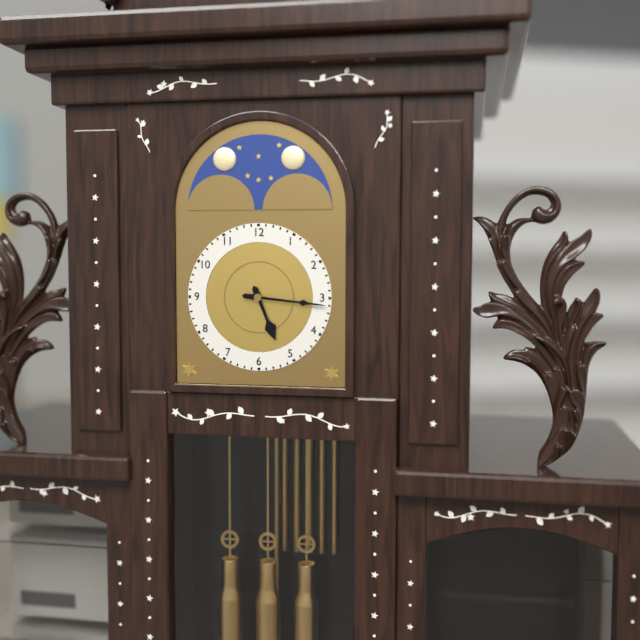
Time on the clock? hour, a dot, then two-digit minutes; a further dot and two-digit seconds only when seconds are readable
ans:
5.16
